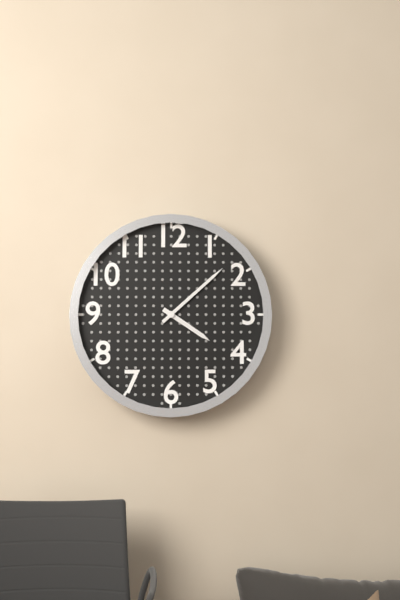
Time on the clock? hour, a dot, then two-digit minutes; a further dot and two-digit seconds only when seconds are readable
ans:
4.08
